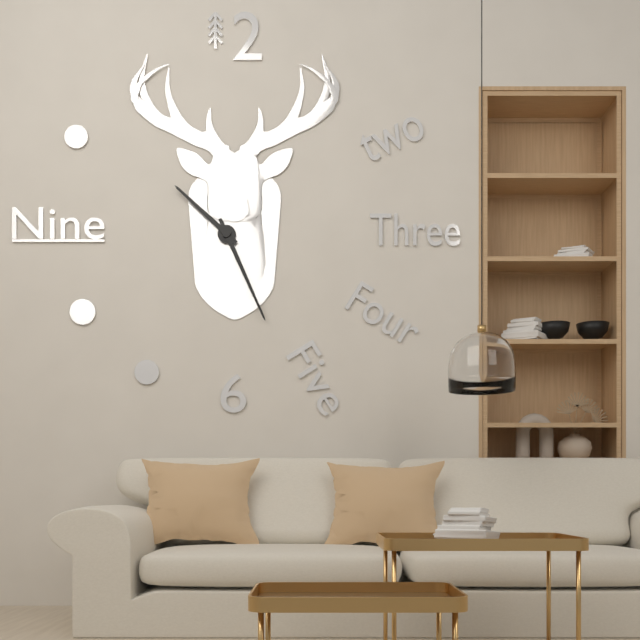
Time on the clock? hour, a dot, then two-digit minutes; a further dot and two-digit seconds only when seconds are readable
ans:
10.26
